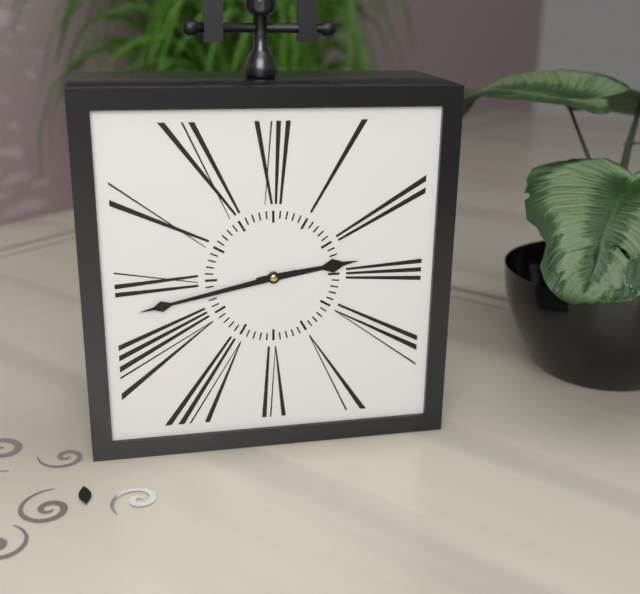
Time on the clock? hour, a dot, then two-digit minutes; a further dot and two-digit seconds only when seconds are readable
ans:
2.43
